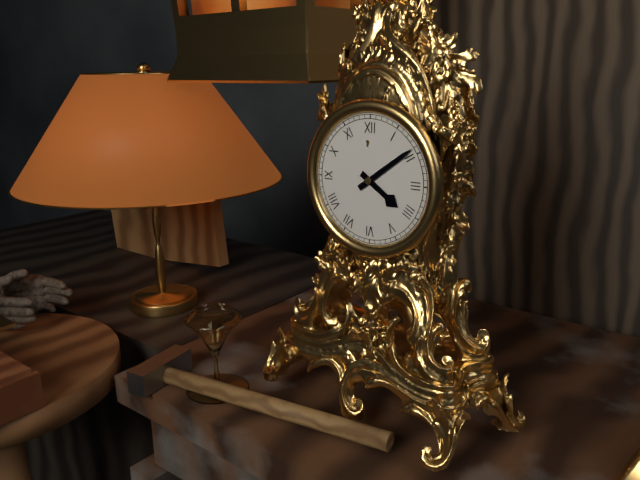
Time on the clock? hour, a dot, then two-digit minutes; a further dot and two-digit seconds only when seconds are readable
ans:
4.09
